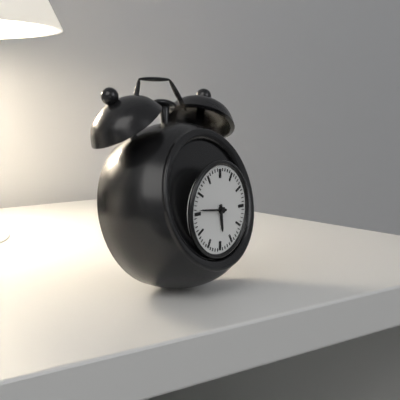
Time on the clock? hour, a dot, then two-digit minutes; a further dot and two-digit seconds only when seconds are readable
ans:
5.46
